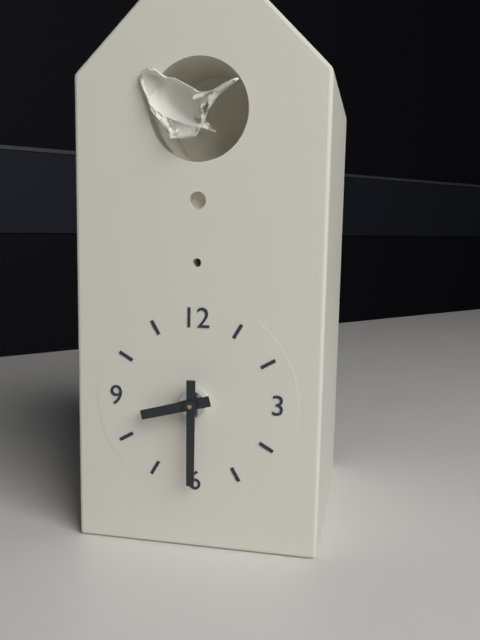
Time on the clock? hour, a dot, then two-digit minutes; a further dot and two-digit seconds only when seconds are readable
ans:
8.30
